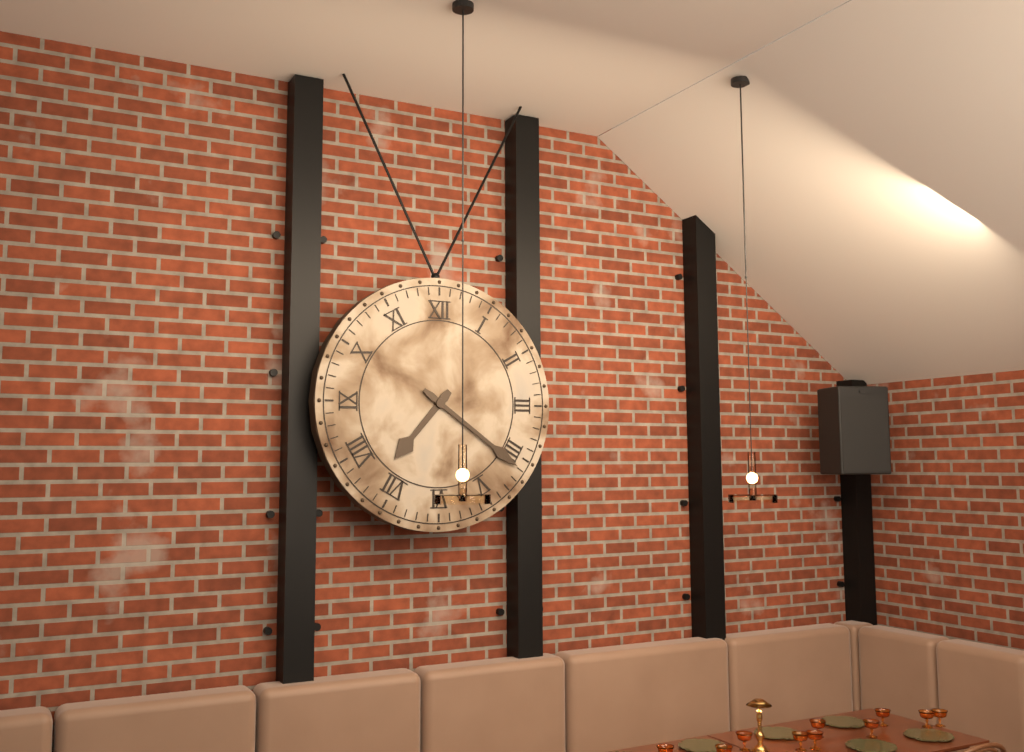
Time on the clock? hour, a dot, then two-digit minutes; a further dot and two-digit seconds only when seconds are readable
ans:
7.21
